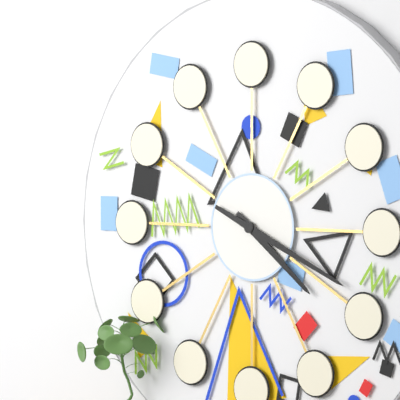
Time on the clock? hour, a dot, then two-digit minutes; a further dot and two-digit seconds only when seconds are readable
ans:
4.19
